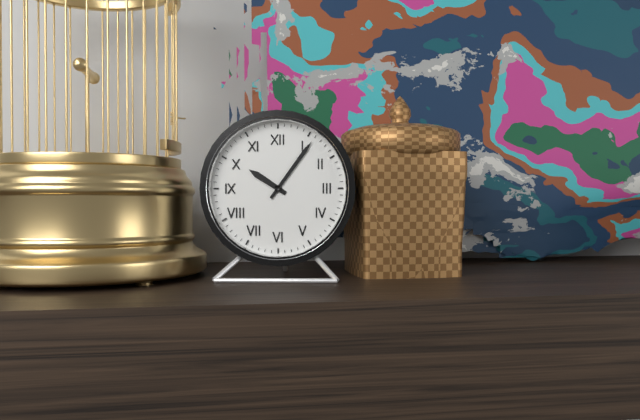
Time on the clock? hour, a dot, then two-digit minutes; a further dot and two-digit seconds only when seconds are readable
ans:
10.06
